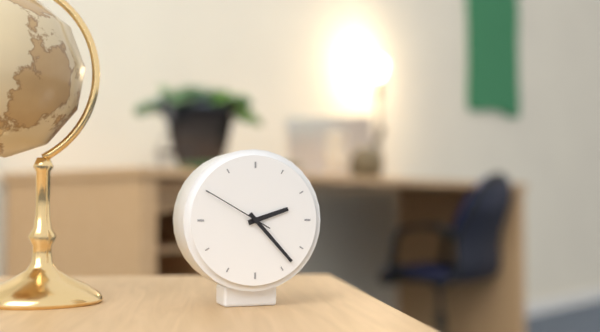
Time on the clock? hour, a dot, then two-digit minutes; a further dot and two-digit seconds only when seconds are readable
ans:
2.23.50
